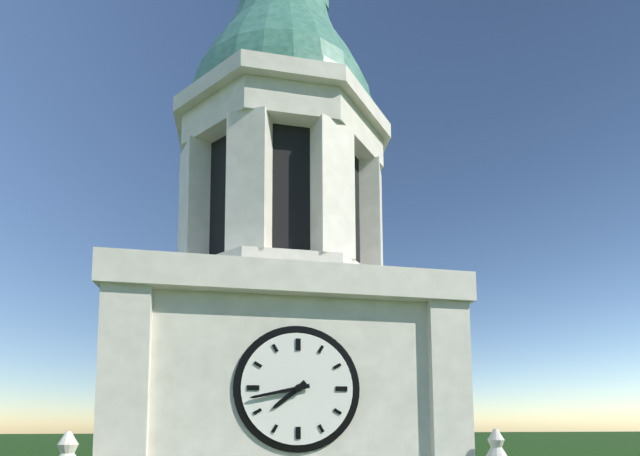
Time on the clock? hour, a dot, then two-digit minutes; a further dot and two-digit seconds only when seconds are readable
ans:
7.43
